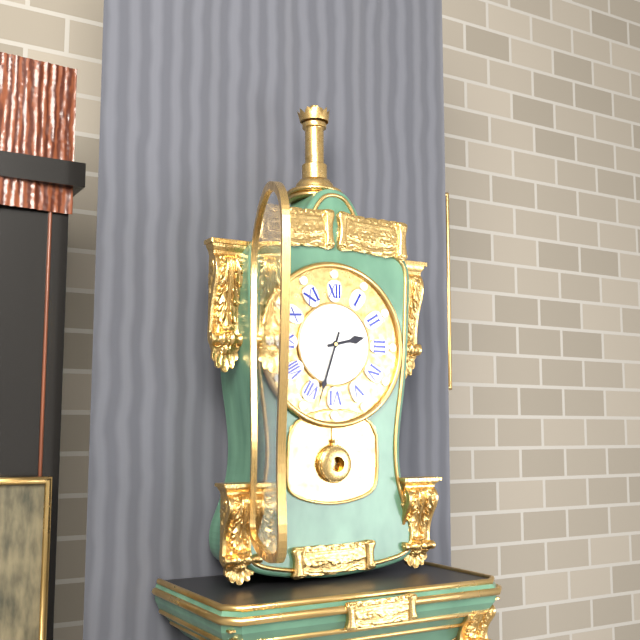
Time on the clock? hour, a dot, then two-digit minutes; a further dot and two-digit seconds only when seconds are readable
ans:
2.33
